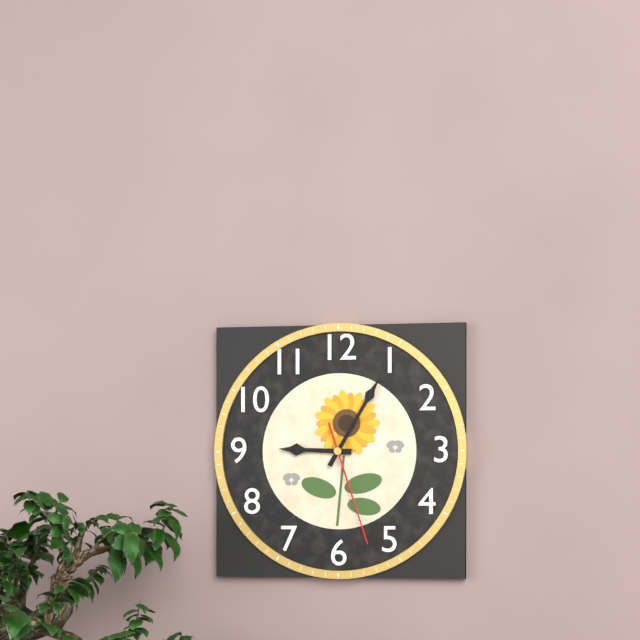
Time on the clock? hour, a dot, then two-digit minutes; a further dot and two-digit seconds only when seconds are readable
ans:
9.05.27
